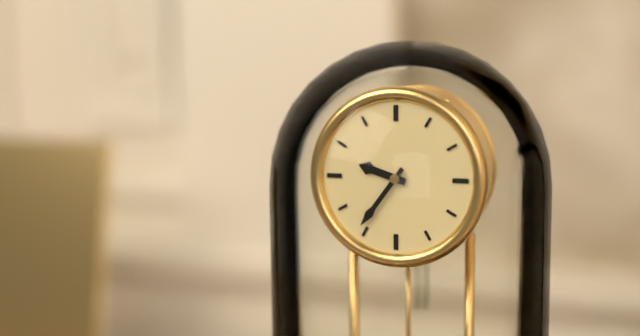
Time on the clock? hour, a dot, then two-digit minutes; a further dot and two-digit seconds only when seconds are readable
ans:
9.36
